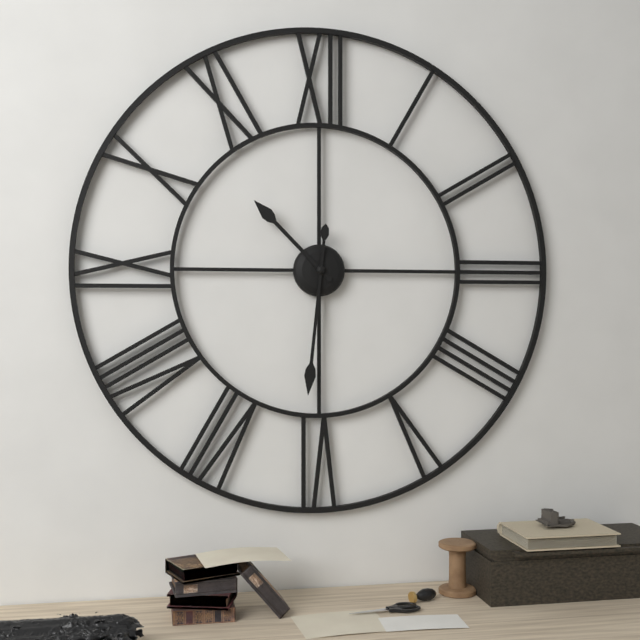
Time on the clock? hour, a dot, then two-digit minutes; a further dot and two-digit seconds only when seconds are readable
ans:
10.31
